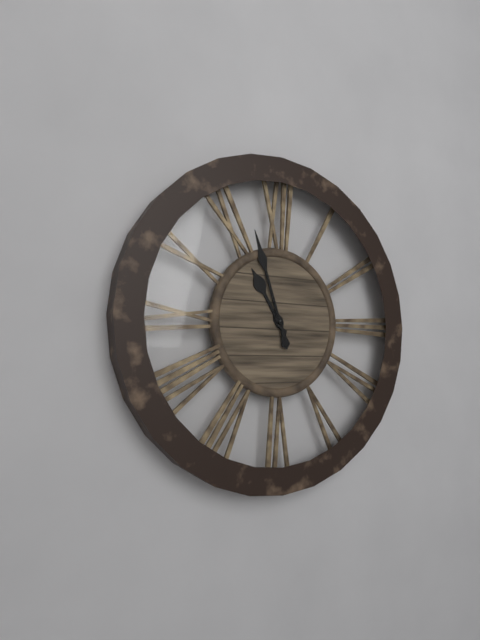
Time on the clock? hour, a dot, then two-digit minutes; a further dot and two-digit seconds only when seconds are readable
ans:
10.57
